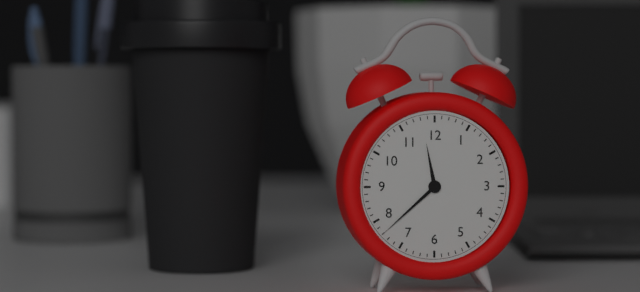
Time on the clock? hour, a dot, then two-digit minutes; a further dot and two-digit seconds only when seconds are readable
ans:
11.38
